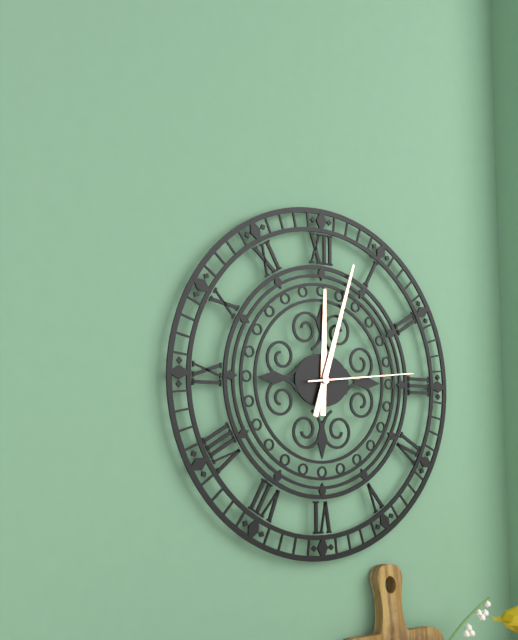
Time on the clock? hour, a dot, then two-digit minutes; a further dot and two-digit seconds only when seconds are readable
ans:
12.03.14
